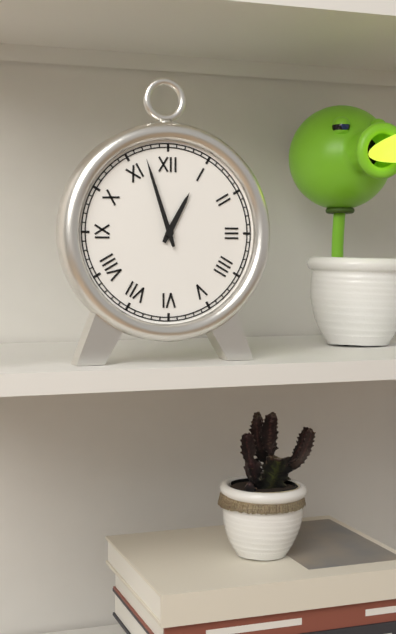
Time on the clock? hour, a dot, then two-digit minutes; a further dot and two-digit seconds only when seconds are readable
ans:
12.57
